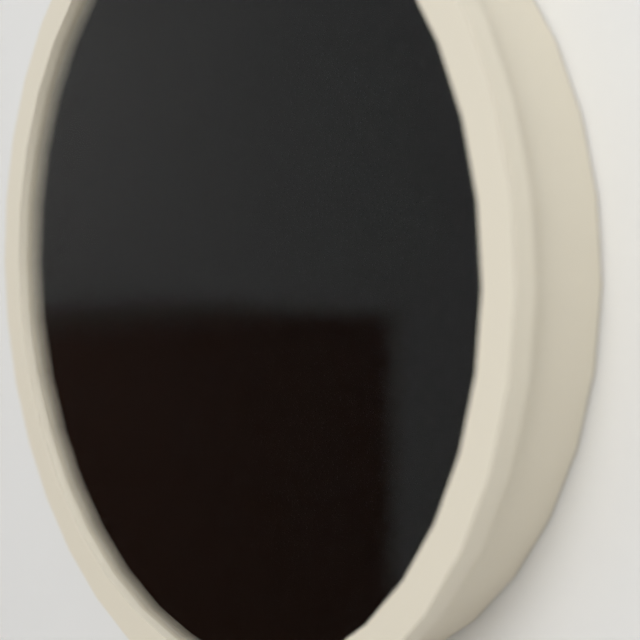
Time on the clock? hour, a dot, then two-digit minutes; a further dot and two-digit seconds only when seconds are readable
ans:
3.35.28
